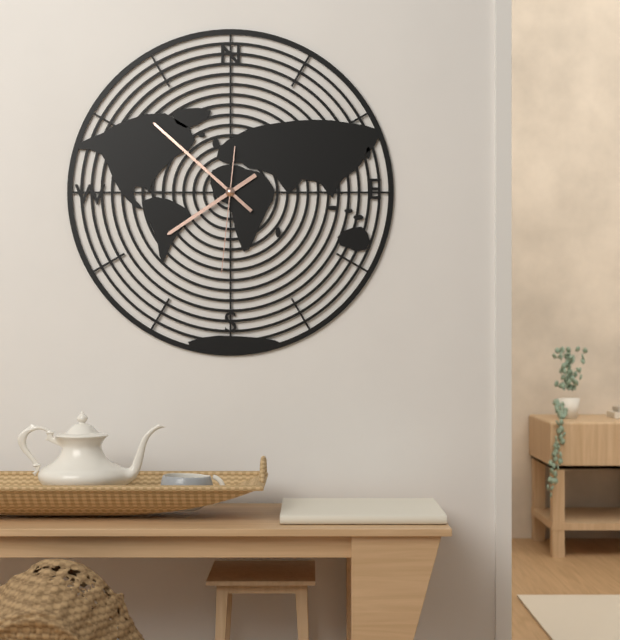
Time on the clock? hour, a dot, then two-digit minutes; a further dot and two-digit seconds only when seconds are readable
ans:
7.52.31
